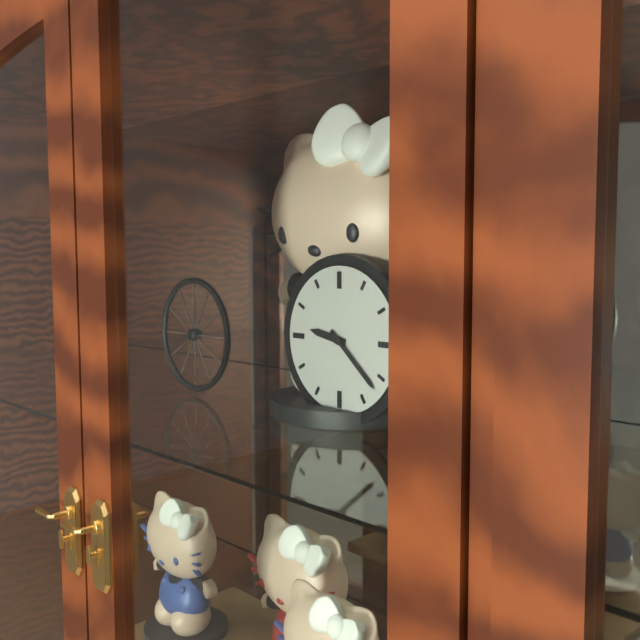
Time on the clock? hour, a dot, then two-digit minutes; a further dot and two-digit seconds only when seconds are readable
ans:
9.22
